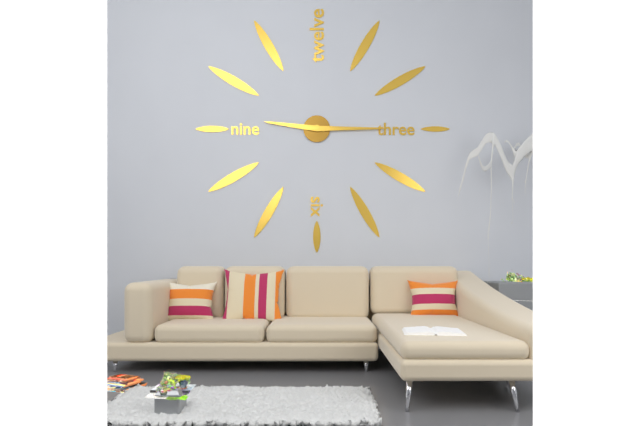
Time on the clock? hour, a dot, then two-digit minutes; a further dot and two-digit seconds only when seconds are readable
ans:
9.15
